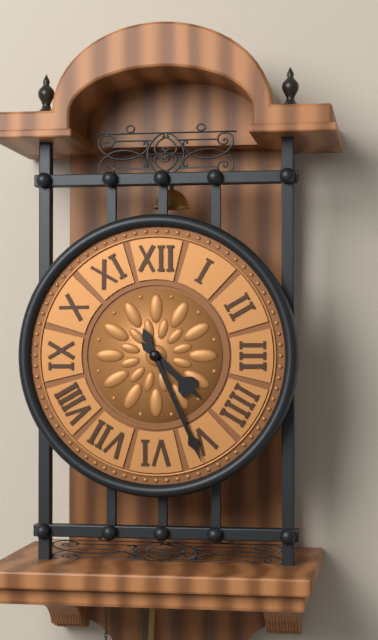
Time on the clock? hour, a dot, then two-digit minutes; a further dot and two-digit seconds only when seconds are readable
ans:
4.26
